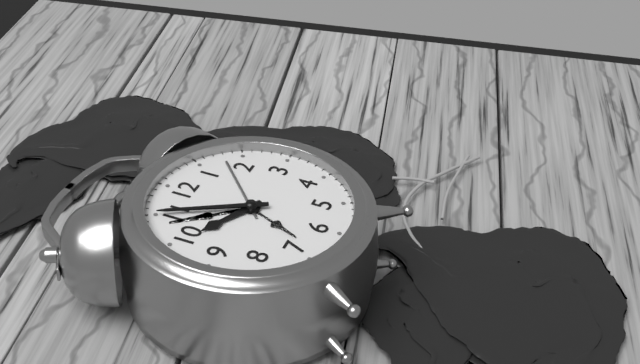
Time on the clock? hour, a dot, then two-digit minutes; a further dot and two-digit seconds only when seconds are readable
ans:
9.55
